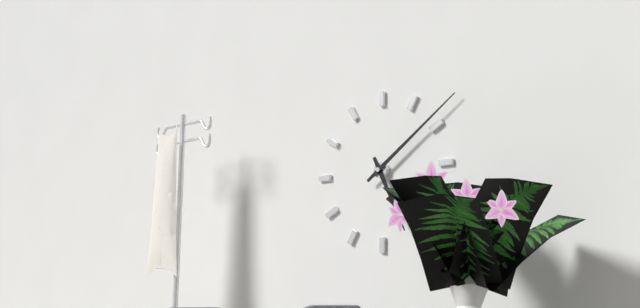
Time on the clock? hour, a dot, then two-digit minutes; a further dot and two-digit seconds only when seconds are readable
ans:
5.09
